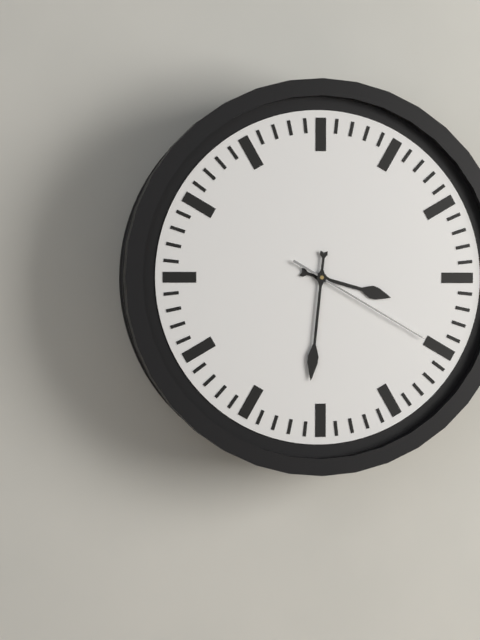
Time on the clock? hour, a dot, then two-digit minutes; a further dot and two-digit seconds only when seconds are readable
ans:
3.31.20
